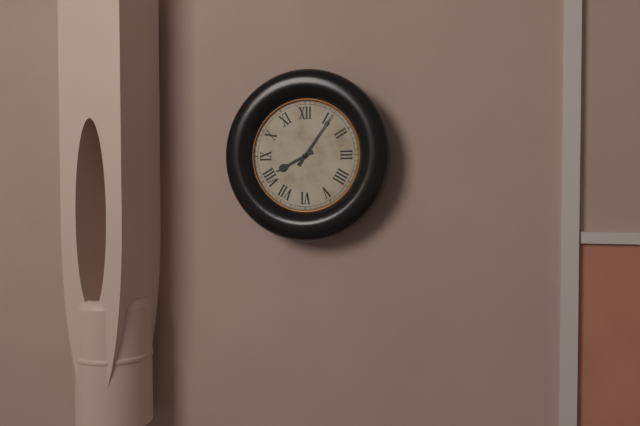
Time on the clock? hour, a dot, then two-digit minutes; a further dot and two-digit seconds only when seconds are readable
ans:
8.06
